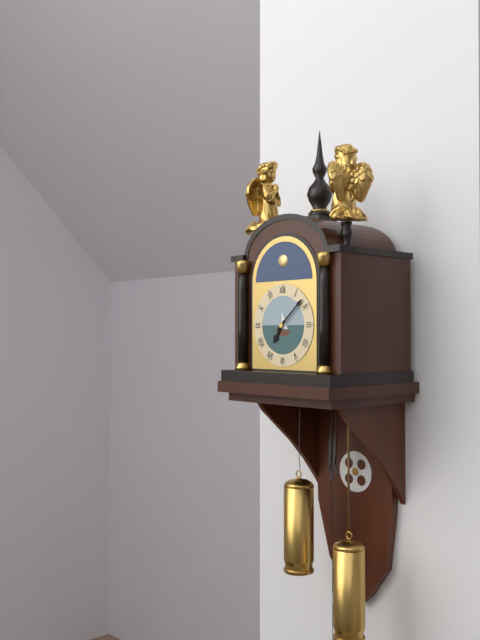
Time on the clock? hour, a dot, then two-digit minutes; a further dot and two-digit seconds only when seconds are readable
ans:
7.08
